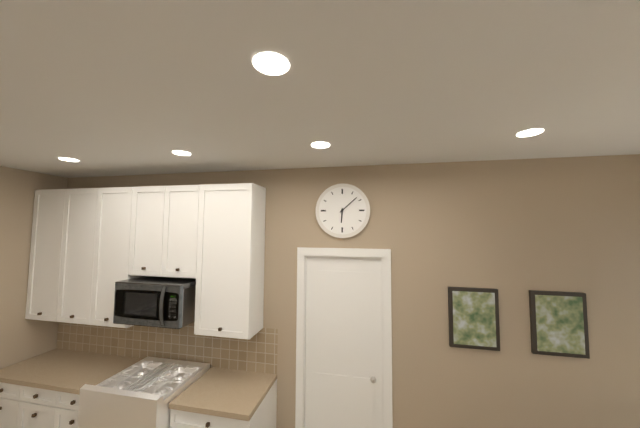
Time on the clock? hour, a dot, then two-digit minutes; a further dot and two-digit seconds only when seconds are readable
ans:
6.08
